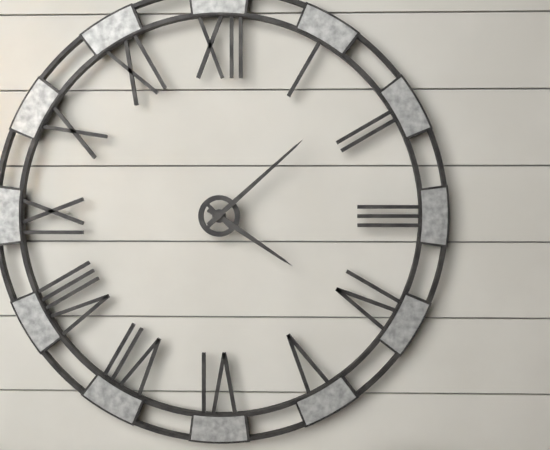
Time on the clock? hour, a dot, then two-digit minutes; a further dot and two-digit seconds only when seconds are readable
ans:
4.08
